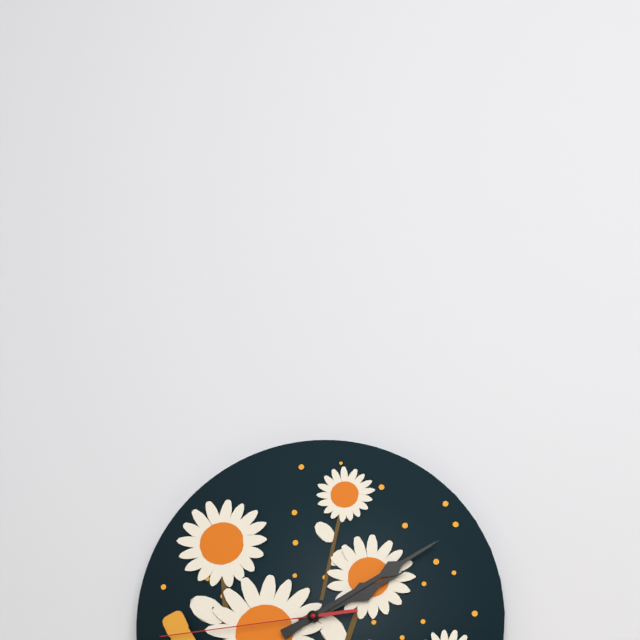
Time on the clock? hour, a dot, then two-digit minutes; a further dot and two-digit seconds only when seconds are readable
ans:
2.10.44
